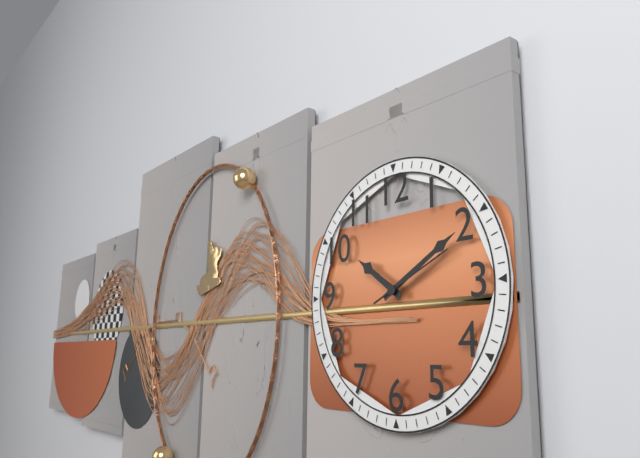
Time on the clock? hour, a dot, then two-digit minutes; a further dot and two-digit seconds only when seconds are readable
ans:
10.10.11
